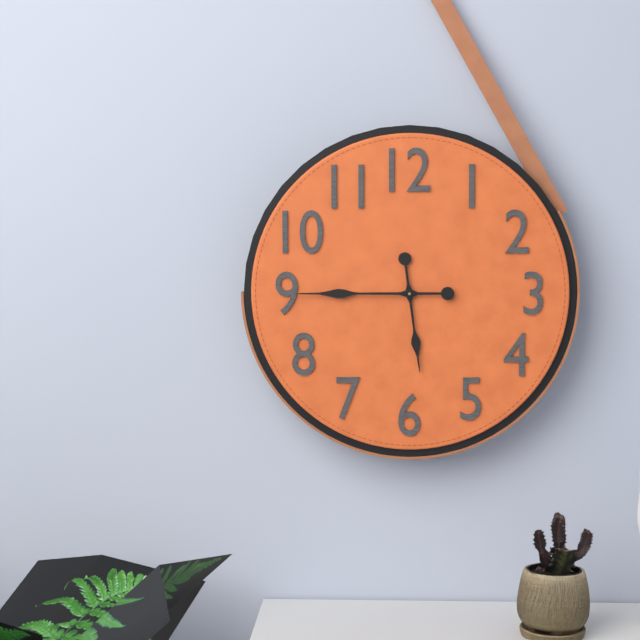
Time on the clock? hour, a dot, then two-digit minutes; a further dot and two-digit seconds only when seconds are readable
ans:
5.45
